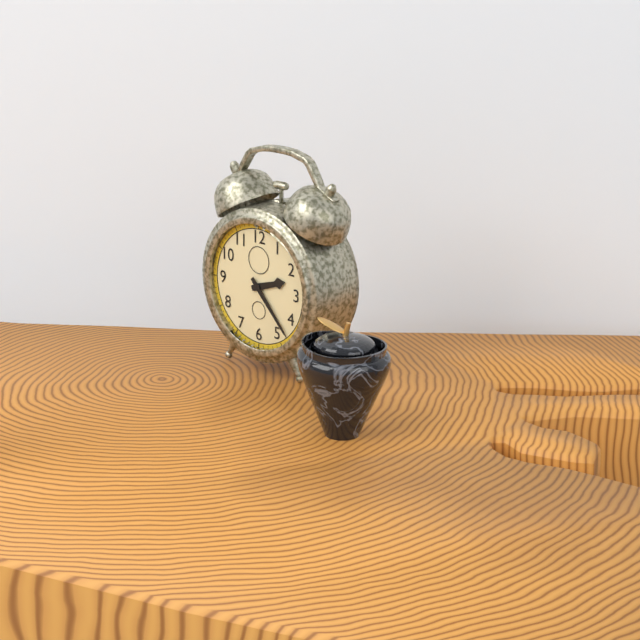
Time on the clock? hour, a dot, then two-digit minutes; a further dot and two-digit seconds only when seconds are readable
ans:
2.23
